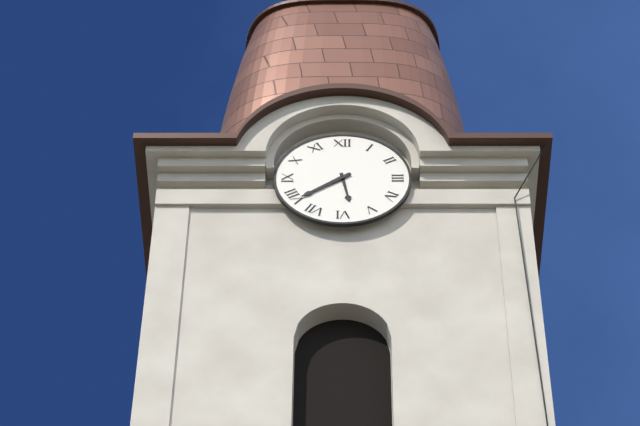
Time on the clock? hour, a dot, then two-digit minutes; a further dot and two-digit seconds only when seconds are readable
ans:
5.39
